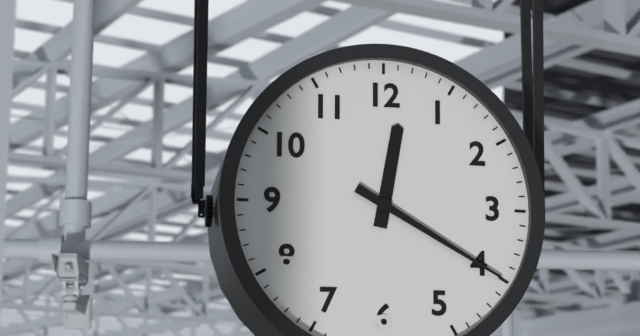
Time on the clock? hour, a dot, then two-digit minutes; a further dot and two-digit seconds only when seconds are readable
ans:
12.20
